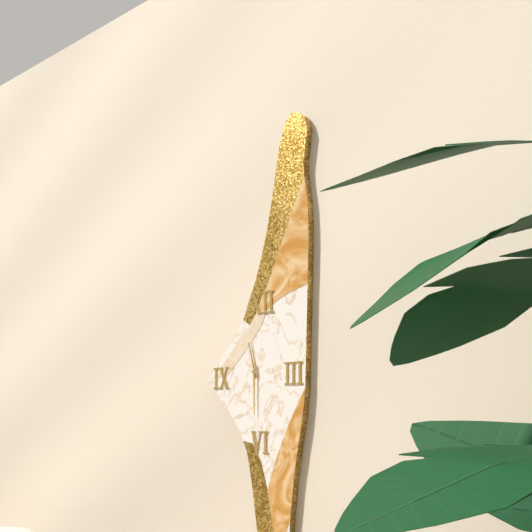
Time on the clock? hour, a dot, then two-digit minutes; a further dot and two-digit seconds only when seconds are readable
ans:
11.30
